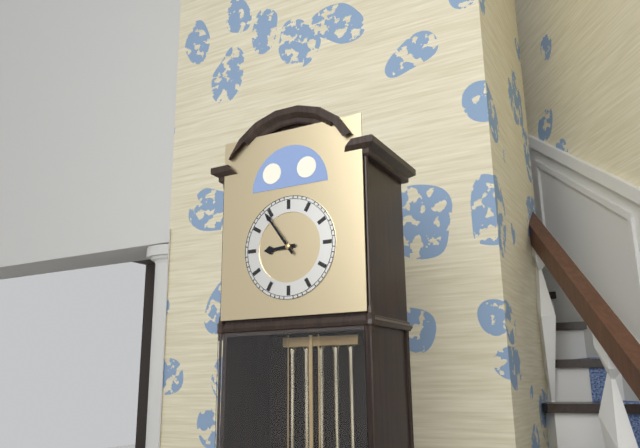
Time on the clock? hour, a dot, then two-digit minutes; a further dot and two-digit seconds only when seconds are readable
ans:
8.54
